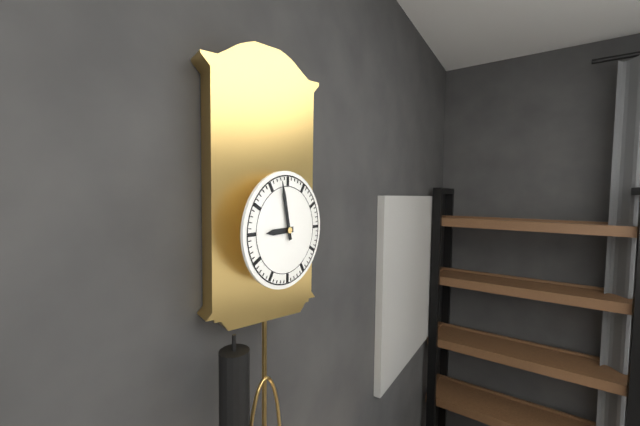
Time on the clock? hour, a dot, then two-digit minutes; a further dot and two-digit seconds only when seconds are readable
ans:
8.58
